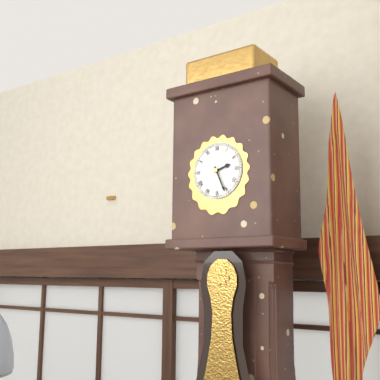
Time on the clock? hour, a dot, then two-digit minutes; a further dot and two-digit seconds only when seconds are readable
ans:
2.26
